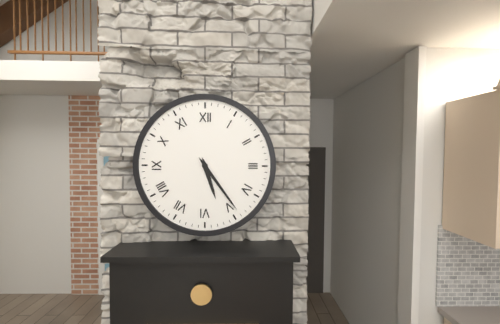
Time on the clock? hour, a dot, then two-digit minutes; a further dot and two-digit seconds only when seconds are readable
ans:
5.24
